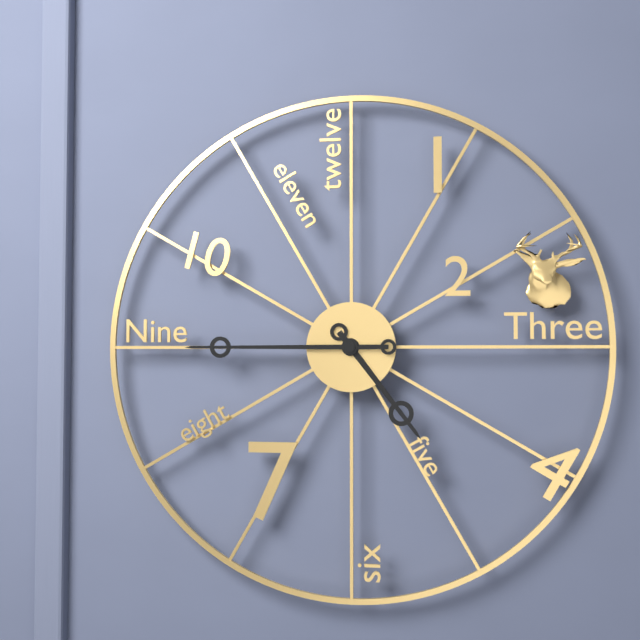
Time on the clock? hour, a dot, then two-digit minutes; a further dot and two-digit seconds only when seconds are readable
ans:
4.45
